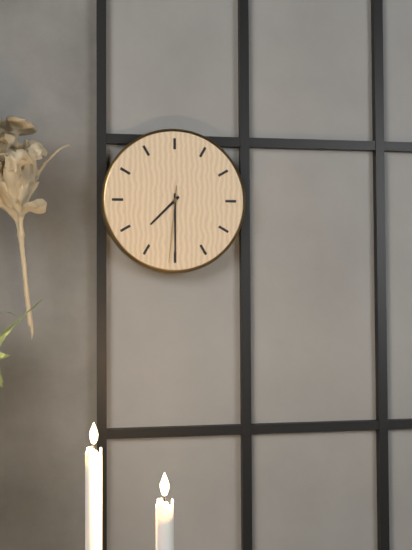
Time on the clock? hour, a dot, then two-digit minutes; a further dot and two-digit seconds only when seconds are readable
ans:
7.30.31
